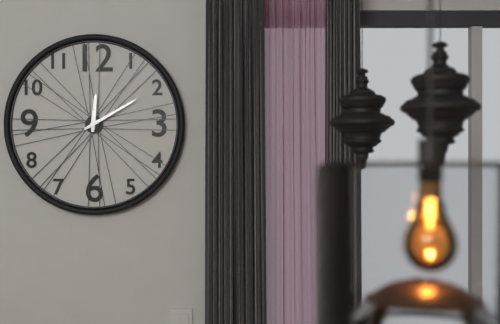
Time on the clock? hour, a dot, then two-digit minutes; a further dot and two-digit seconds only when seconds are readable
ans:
12.10
